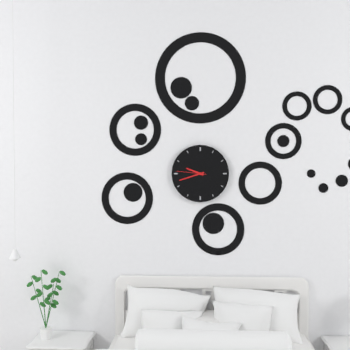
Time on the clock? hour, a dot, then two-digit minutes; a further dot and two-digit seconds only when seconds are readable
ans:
9.42
